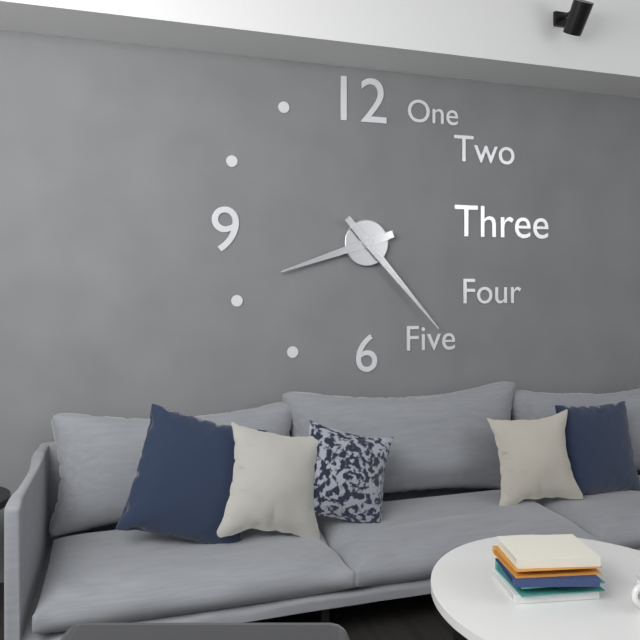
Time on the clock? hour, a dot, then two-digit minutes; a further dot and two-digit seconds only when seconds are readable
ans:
8.23
